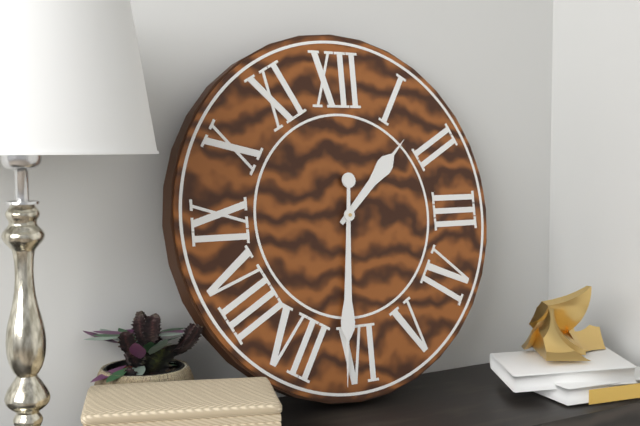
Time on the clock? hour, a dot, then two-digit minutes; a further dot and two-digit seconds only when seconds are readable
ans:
1.31
